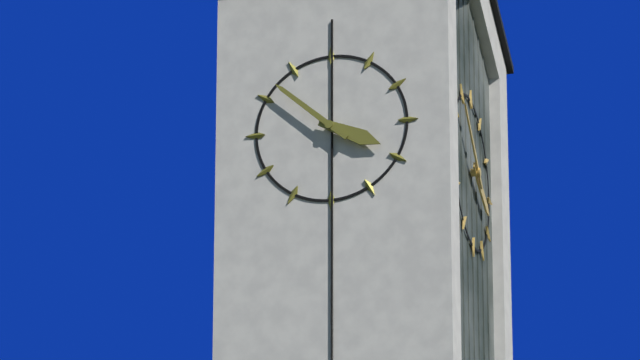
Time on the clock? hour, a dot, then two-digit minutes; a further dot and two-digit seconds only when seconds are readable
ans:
3.52
